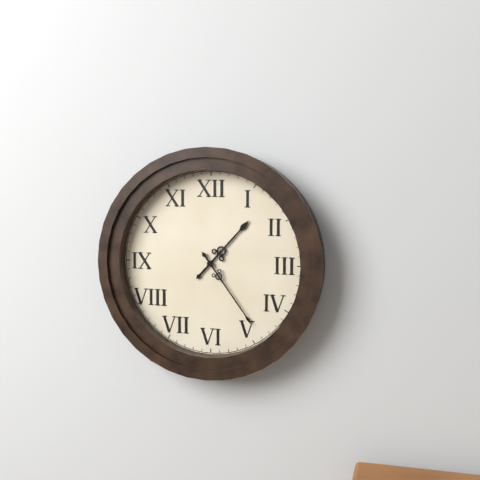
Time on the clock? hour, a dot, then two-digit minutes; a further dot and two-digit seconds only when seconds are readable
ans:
1.24
